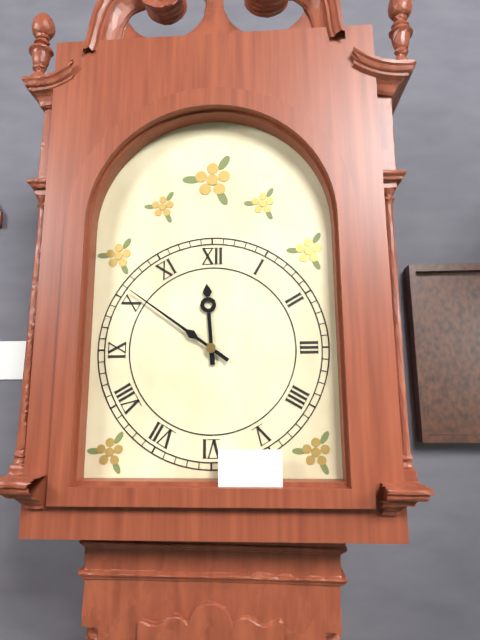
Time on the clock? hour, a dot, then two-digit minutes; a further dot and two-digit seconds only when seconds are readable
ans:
11.51
